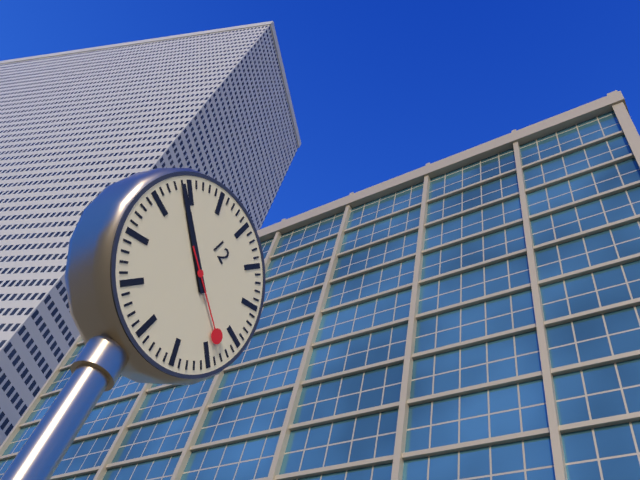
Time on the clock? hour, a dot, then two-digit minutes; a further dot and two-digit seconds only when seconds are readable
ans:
9.49.18
